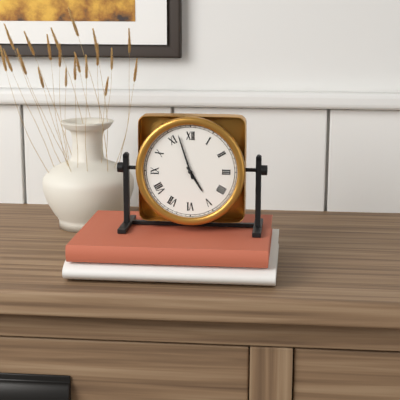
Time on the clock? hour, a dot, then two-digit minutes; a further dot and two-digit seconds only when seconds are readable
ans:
4.57
